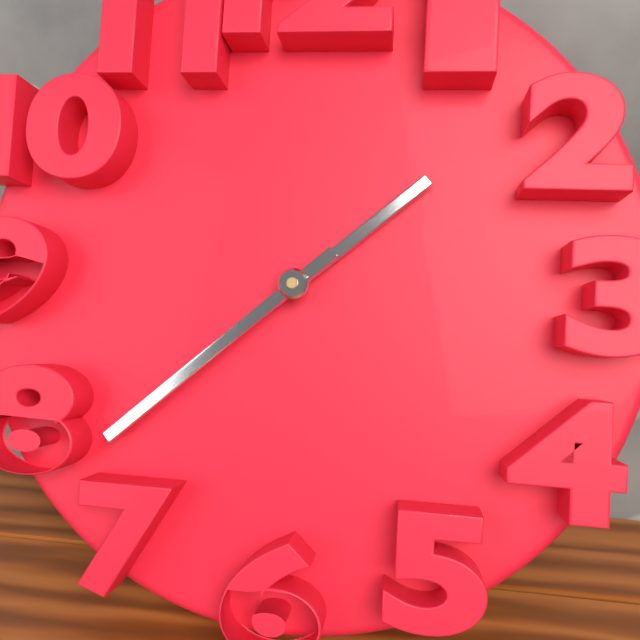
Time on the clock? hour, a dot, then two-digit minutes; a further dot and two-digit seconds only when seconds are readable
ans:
1.38
